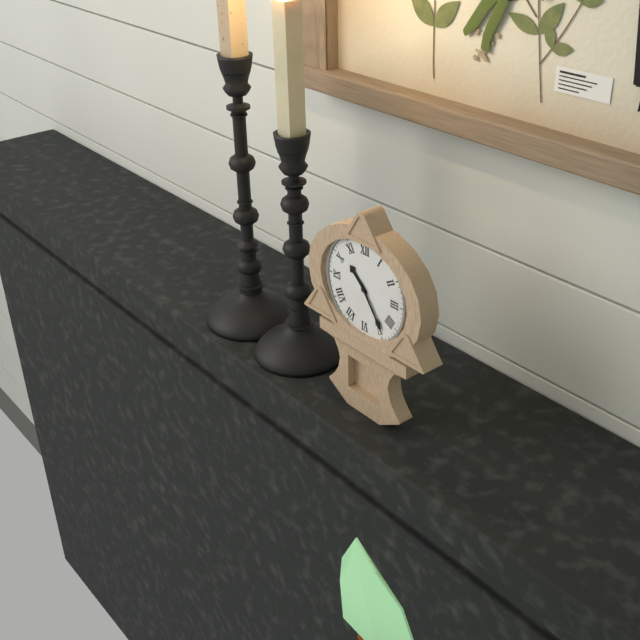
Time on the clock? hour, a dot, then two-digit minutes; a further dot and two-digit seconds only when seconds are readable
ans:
10.24
